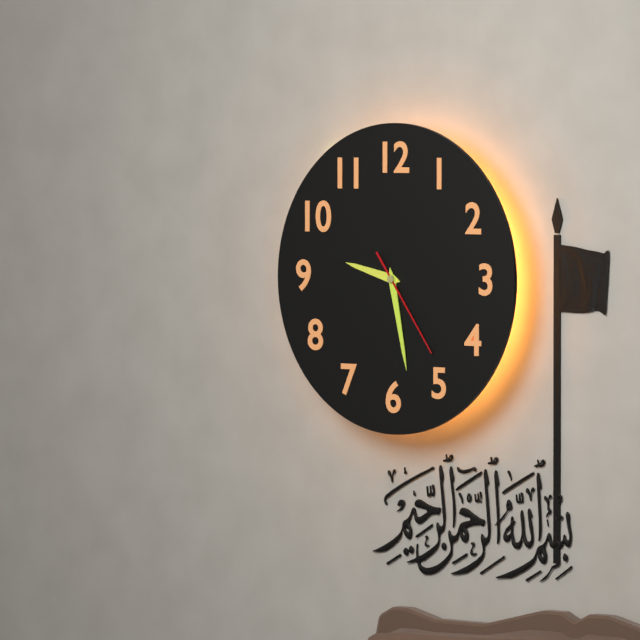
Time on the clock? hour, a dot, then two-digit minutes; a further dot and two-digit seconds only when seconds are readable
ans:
9.28.24
